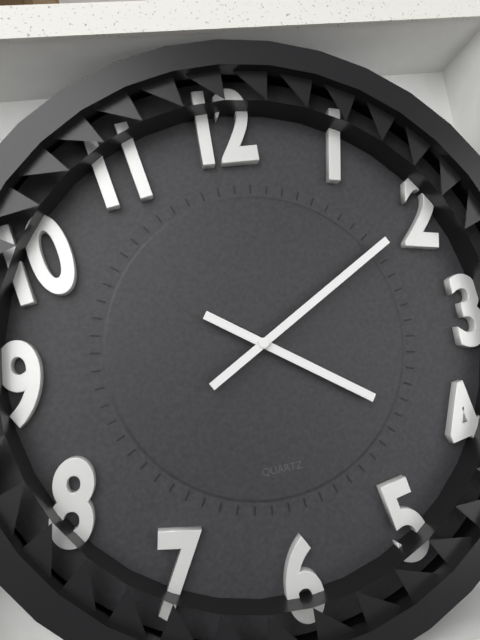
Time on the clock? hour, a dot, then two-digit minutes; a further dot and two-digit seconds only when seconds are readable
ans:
4.10
